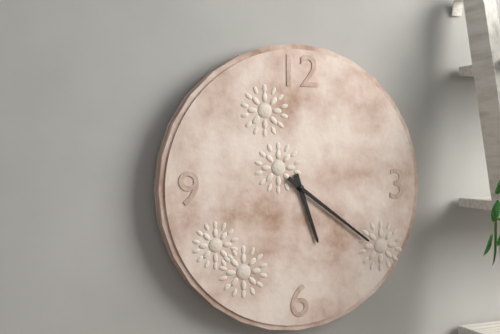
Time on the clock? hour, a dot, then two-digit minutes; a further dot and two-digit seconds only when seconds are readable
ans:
5.21
